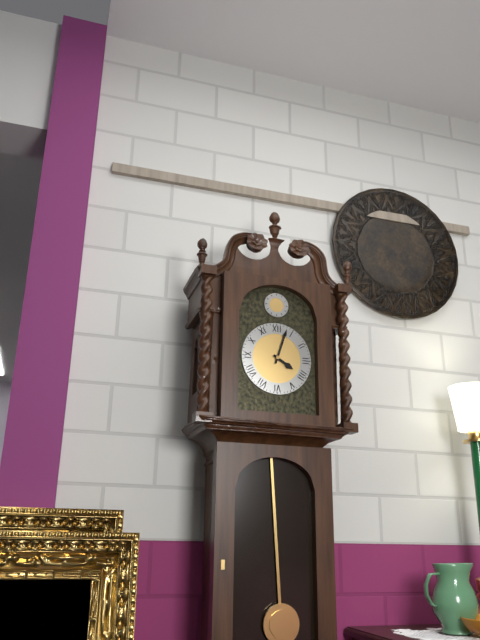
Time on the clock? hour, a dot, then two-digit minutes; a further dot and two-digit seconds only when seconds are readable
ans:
4.03
